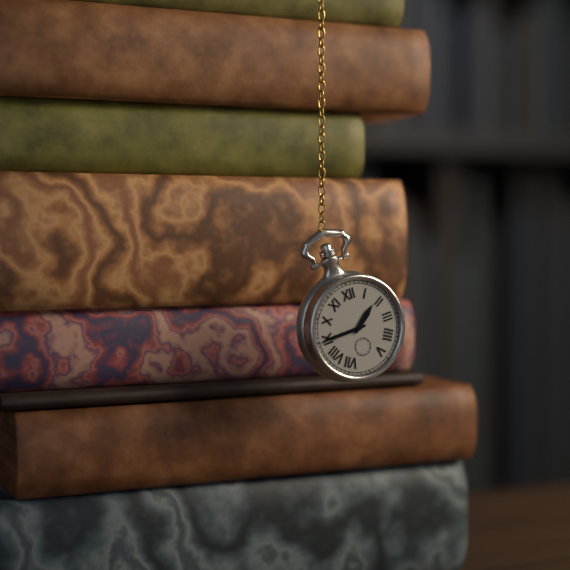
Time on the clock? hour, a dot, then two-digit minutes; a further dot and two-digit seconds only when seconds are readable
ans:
1.45
